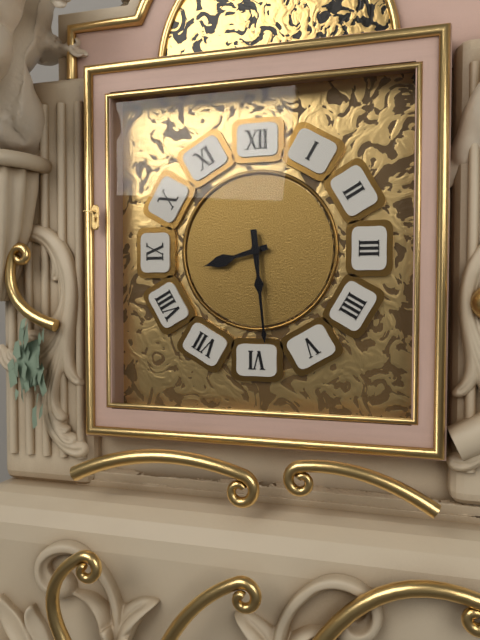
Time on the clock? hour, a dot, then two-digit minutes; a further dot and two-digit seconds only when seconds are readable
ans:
8.29
